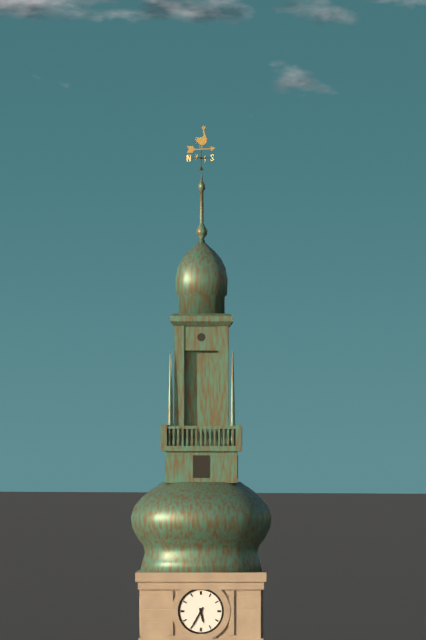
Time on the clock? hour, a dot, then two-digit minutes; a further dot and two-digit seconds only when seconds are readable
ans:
5.35
